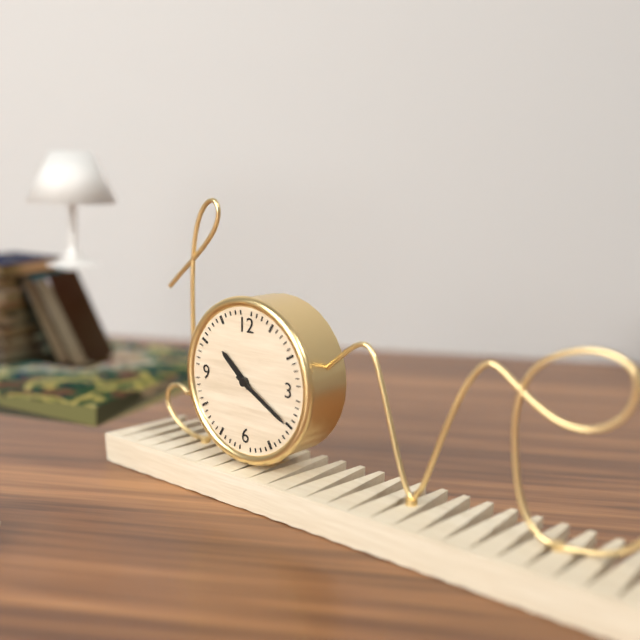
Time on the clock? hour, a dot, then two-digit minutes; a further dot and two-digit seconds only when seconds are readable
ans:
10.20
